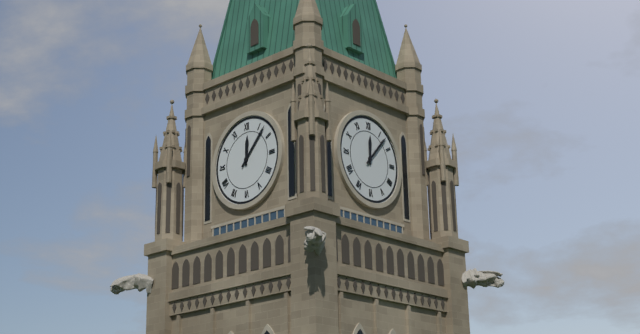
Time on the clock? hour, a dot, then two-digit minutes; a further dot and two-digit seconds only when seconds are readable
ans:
12.07
